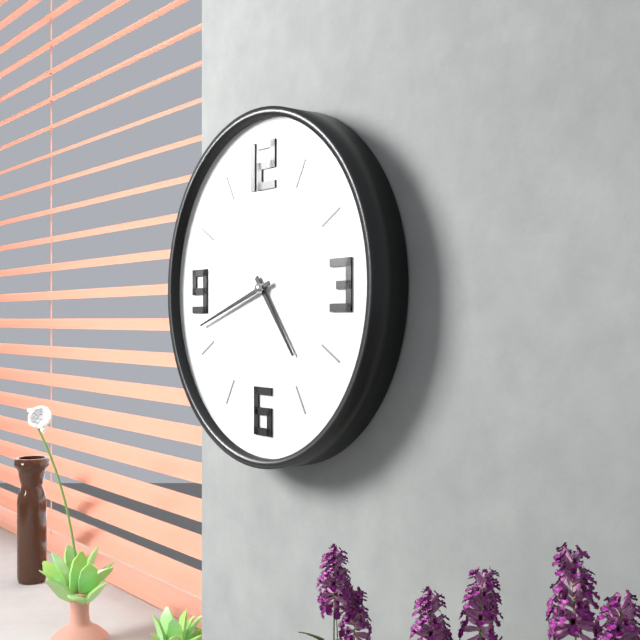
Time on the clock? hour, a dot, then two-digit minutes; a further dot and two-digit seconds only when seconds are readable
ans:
4.42
